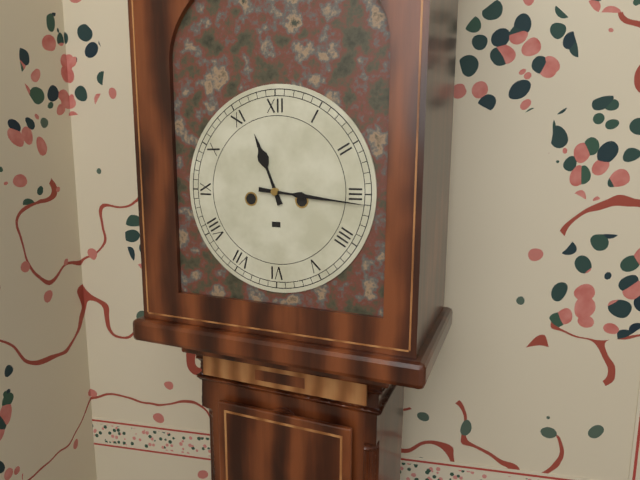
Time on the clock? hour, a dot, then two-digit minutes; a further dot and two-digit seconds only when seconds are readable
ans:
11.16
